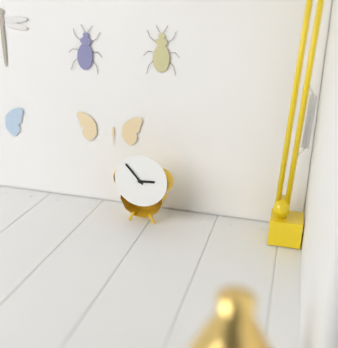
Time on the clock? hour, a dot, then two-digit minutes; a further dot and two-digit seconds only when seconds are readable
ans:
2.53
